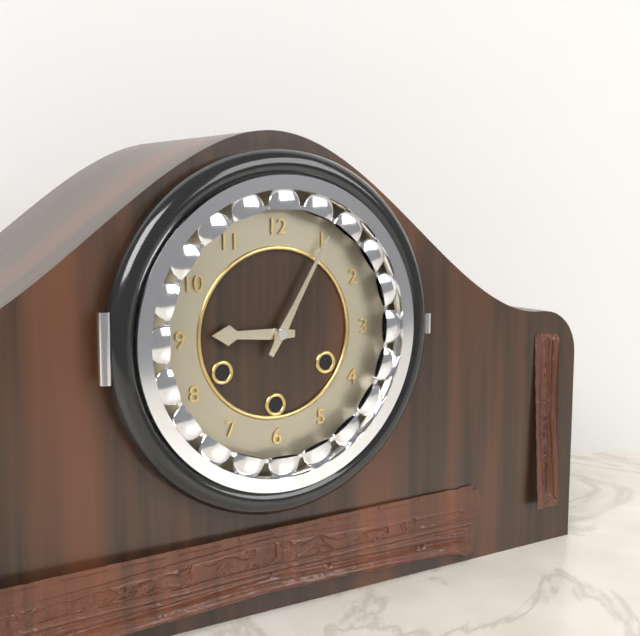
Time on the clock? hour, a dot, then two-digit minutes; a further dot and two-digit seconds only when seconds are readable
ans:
9.05
